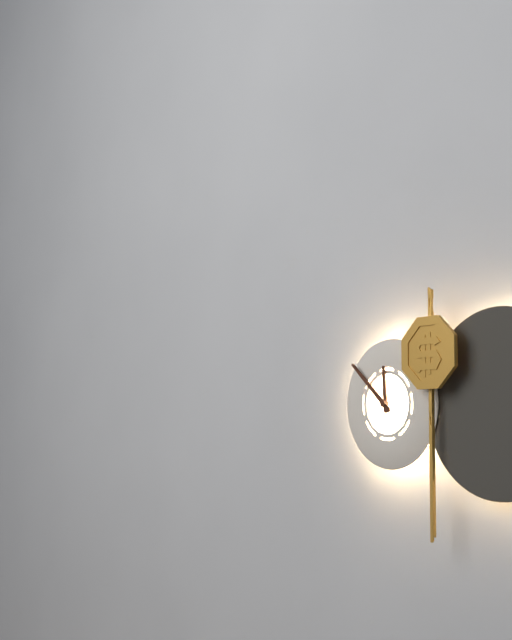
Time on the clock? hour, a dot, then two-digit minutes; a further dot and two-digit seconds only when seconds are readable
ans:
11.52
